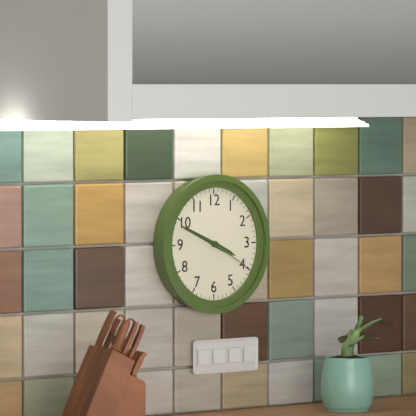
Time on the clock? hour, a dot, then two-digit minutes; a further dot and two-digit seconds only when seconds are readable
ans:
3.49.20
